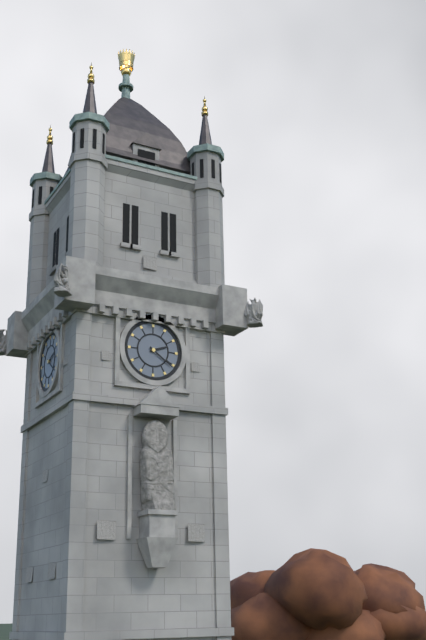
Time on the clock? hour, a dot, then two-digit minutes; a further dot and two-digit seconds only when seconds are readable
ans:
2.21
